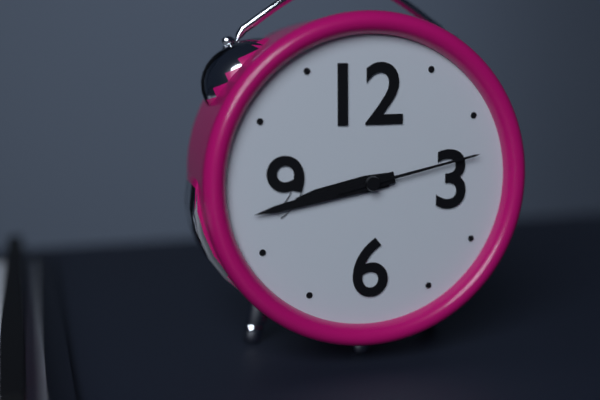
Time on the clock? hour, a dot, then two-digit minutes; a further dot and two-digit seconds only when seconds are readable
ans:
8.43.13
